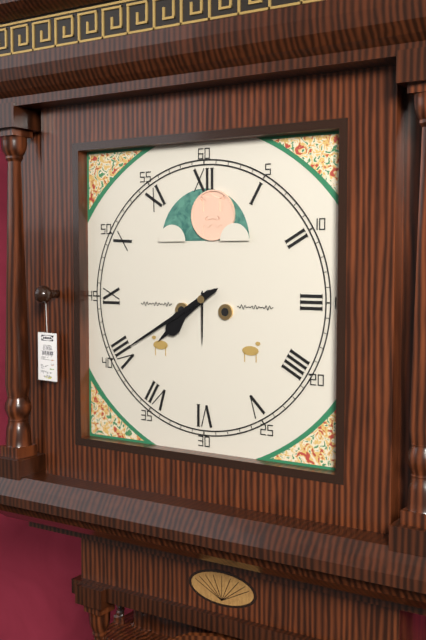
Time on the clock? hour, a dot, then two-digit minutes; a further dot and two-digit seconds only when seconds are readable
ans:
7.40
